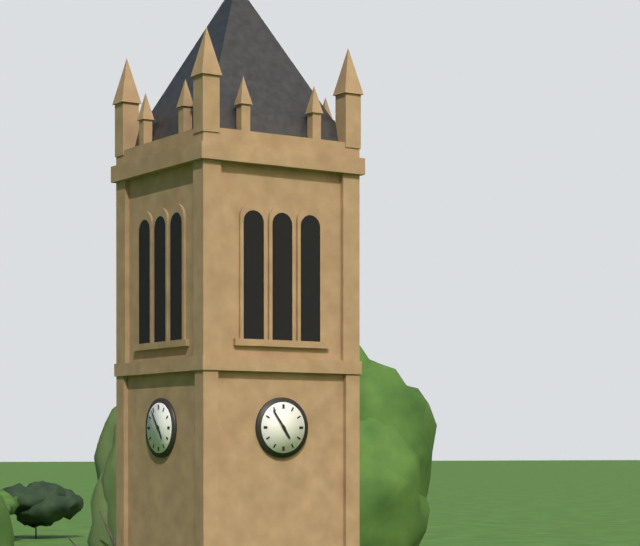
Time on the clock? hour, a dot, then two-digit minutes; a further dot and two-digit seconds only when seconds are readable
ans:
4.54
